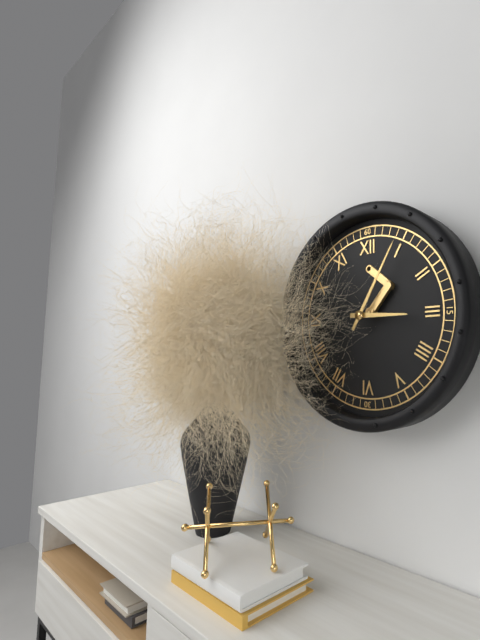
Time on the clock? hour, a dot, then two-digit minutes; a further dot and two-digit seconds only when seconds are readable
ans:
3.05
